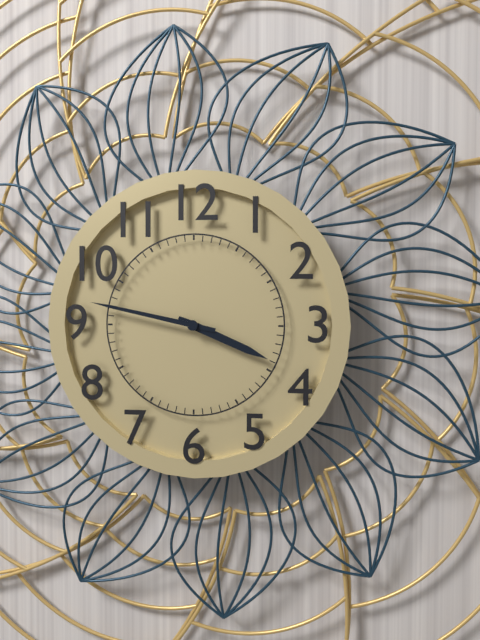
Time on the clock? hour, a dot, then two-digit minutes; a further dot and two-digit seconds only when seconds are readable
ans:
3.47
